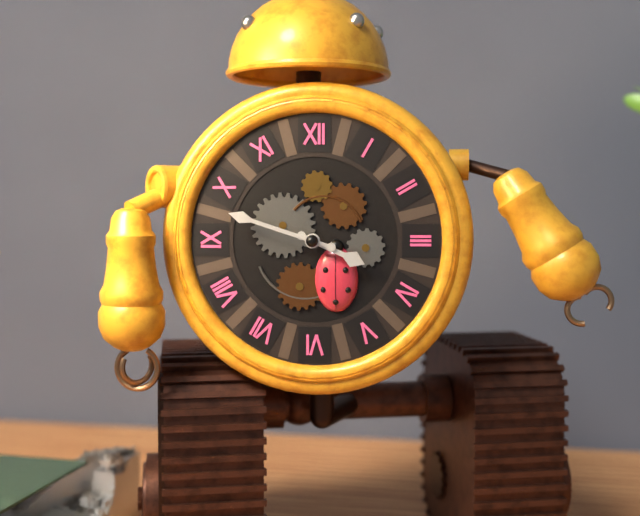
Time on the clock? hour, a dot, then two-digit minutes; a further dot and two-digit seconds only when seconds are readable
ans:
3.48
